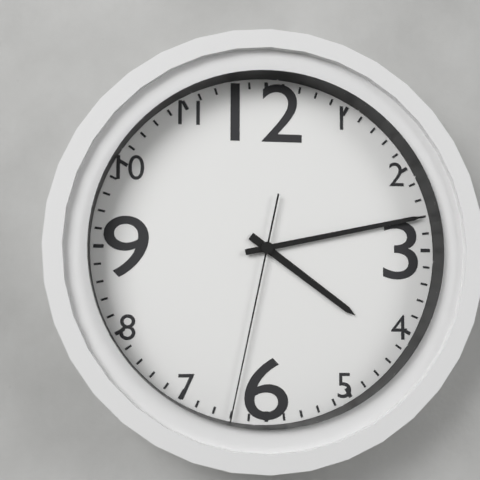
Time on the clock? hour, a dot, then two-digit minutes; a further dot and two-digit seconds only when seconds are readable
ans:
4.13.32
